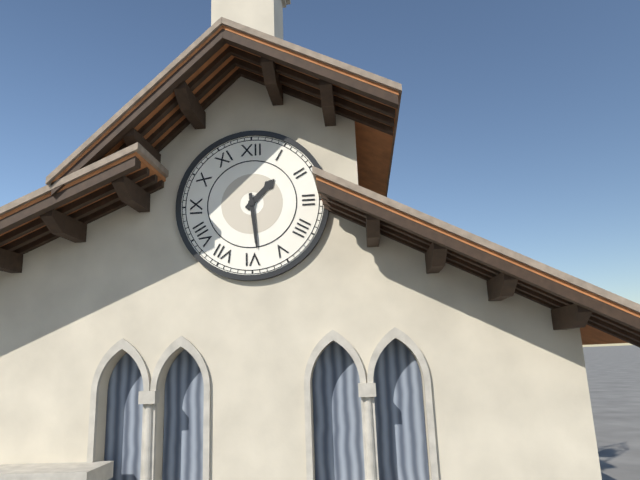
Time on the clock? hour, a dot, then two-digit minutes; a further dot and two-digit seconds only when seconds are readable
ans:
1.29
